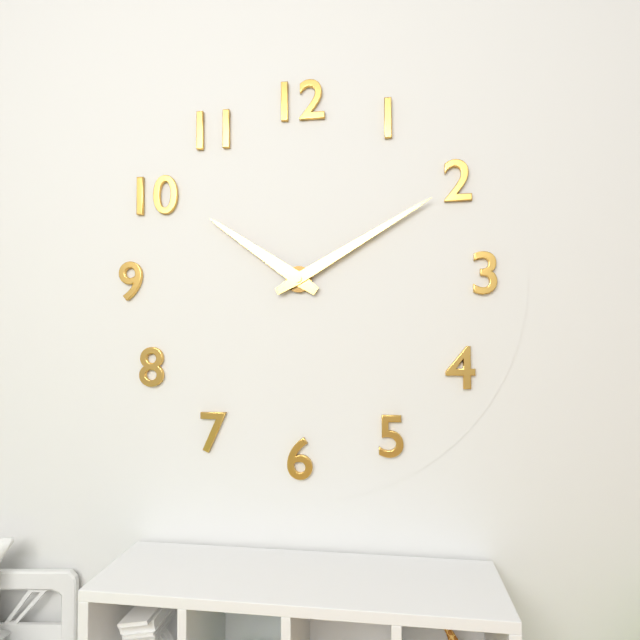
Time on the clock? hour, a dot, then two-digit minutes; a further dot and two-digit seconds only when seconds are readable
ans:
10.10
